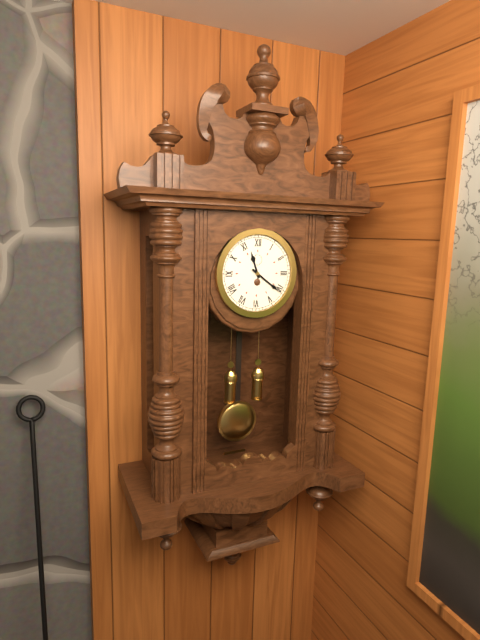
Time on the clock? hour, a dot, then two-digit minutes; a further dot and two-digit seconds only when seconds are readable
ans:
11.21
